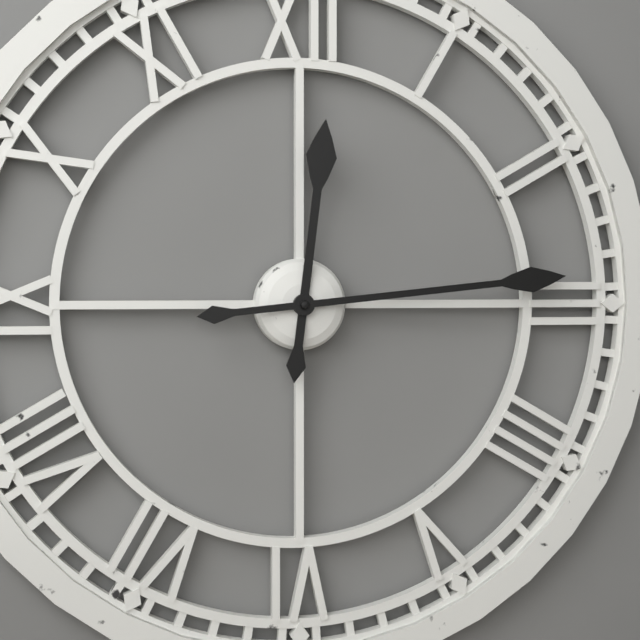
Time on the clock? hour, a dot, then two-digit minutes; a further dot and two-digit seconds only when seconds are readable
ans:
12.14
